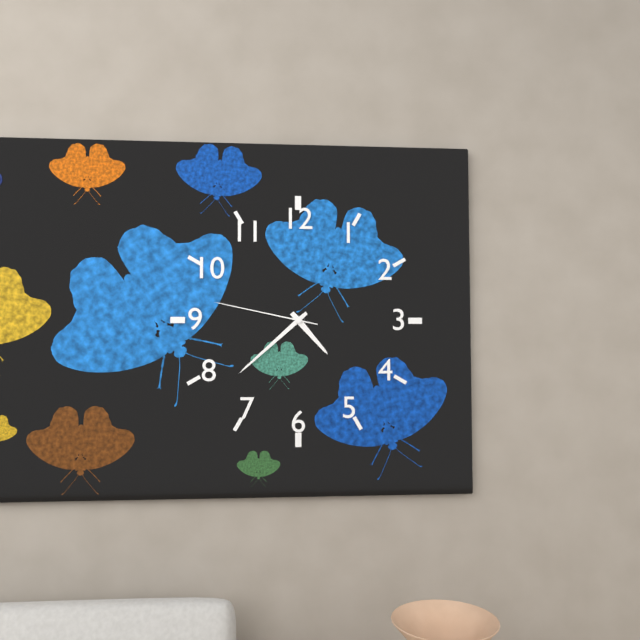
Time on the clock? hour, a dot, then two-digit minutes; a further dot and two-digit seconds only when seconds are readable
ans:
4.38.47
